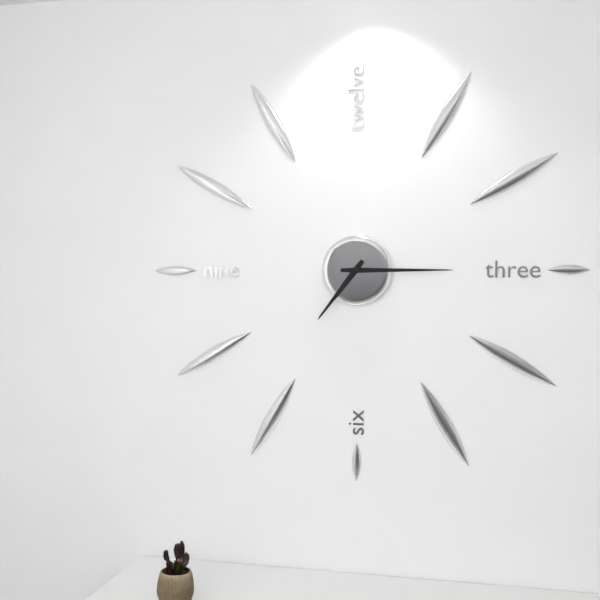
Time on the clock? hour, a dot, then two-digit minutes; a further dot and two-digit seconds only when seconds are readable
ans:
7.15
